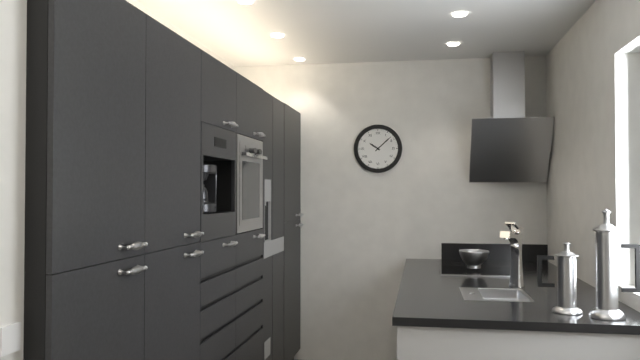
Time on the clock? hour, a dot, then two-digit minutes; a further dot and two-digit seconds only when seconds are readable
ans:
10.08
